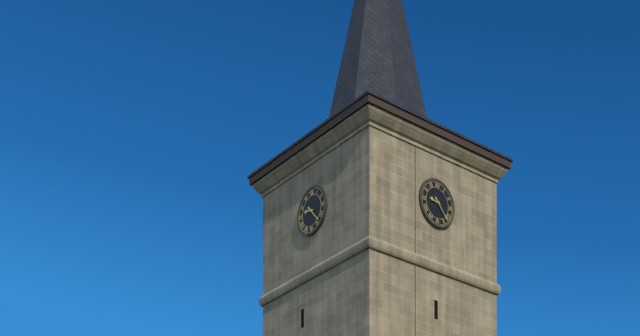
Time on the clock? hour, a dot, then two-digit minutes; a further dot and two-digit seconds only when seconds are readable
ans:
9.23
